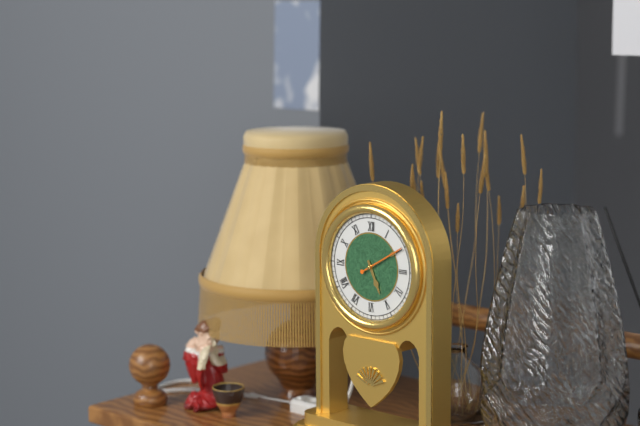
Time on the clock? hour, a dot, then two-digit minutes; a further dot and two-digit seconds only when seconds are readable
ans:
5.10
